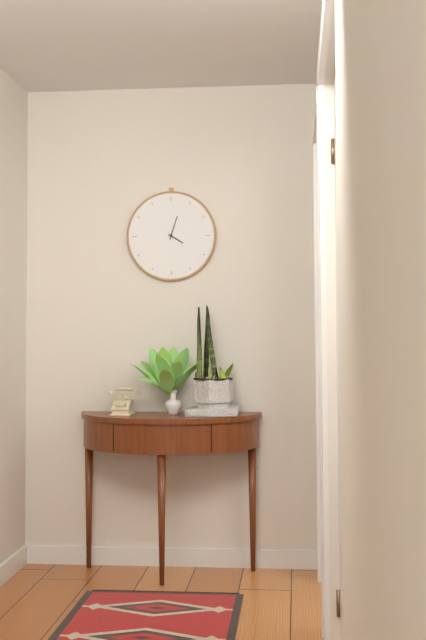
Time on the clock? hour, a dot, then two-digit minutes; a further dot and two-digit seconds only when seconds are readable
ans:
4.03
